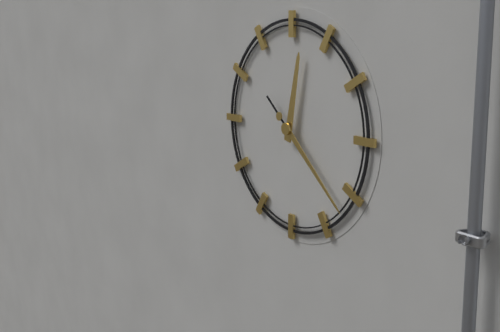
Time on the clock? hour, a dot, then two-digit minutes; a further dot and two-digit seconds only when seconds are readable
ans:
12.22
